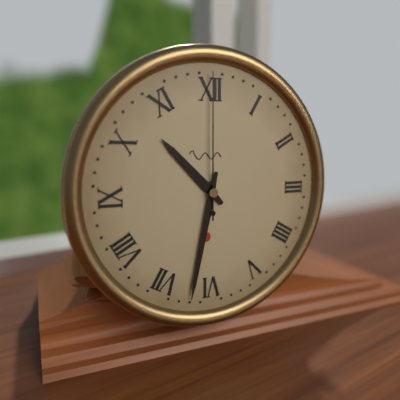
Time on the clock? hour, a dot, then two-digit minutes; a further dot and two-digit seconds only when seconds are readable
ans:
10.32.00
